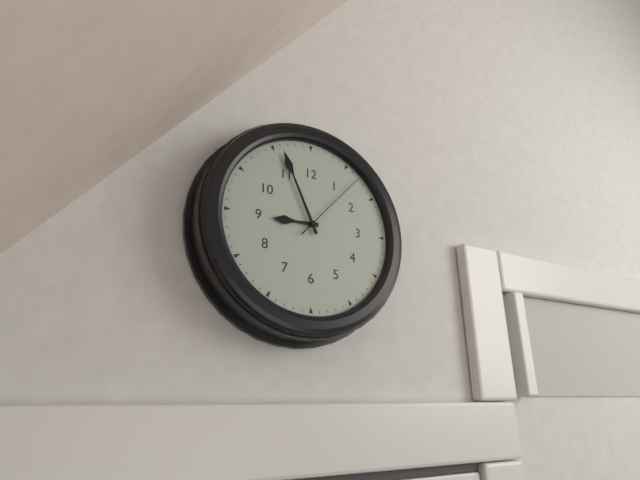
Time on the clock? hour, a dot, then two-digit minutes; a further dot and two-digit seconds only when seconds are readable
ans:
8.56.07
